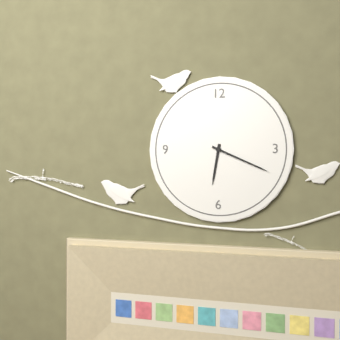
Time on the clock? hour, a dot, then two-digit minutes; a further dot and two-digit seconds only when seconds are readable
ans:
6.19
